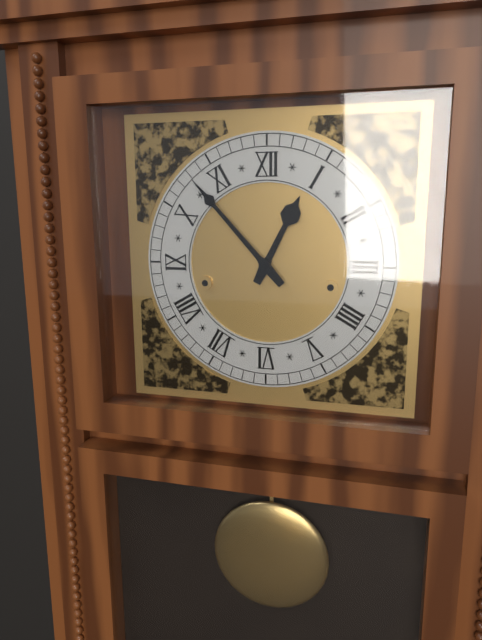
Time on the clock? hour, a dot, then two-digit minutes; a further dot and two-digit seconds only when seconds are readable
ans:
12.53
